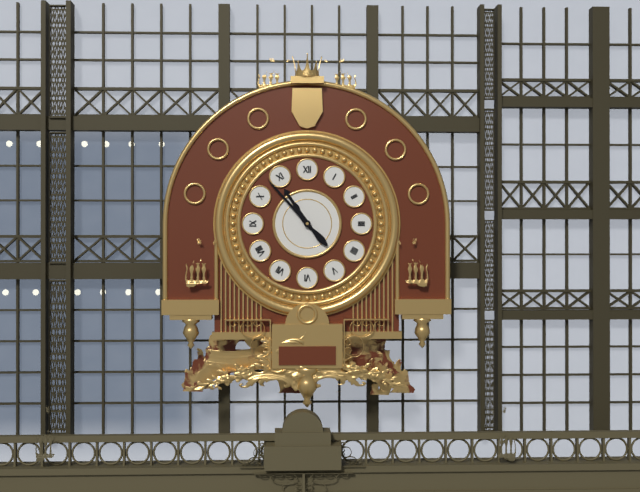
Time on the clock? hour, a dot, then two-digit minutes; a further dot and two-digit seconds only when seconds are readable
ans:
10.53
